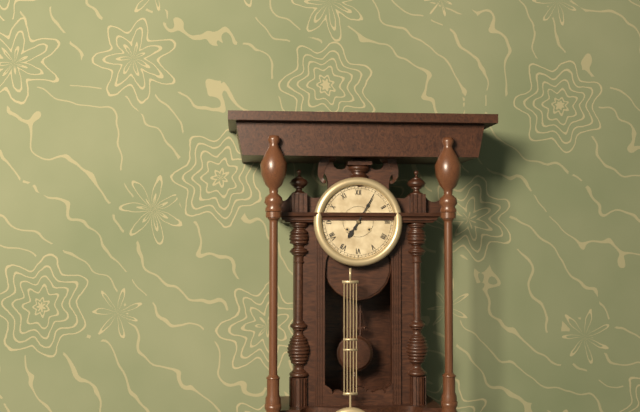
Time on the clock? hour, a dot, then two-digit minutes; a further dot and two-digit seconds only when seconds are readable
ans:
7.05
